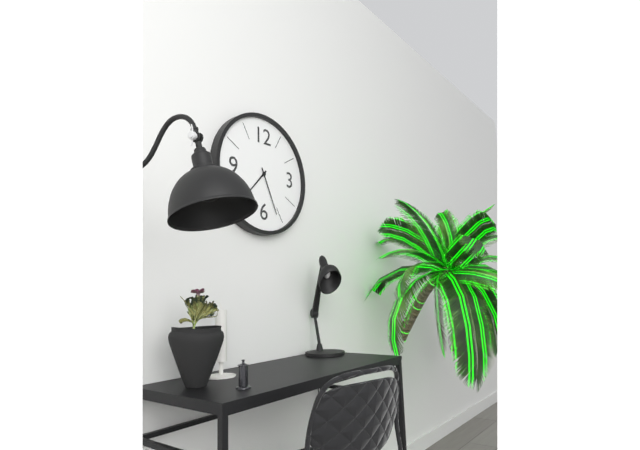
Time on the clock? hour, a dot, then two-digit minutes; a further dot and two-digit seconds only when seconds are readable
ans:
7.26
